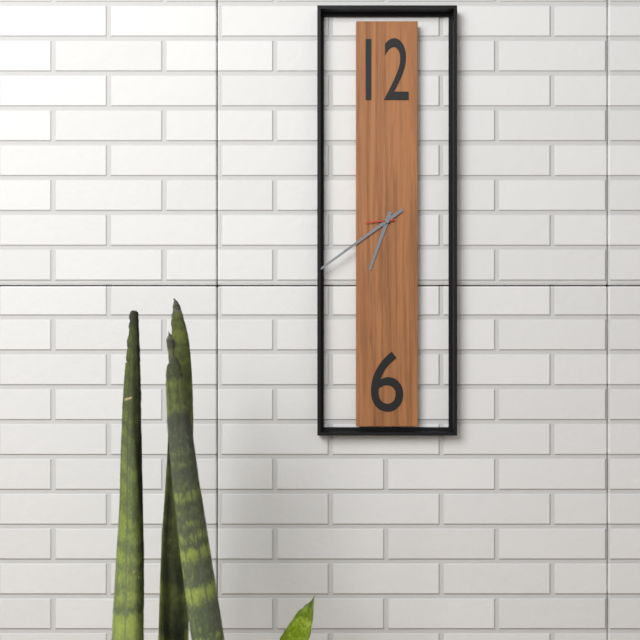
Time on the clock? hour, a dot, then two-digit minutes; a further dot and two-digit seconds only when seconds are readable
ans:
6.39
